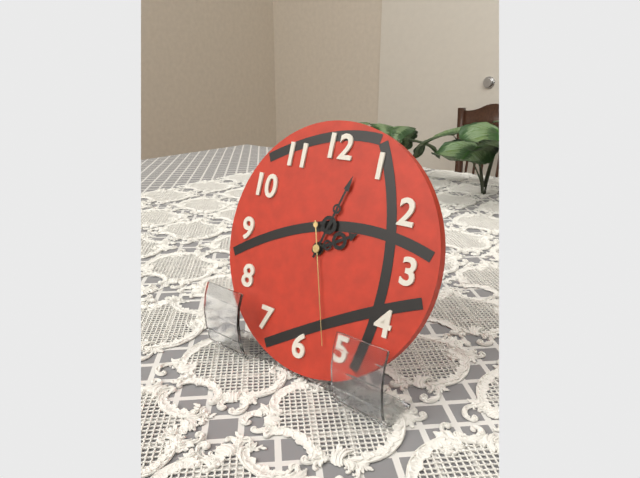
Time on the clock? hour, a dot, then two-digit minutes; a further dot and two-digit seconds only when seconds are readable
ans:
2.03.27
